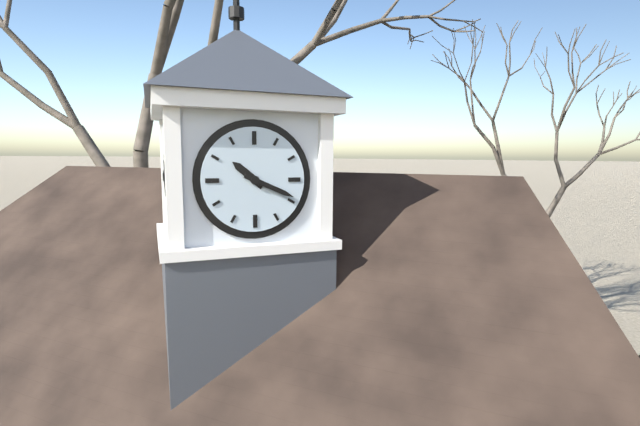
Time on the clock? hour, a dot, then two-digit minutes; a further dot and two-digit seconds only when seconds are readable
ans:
10.19
